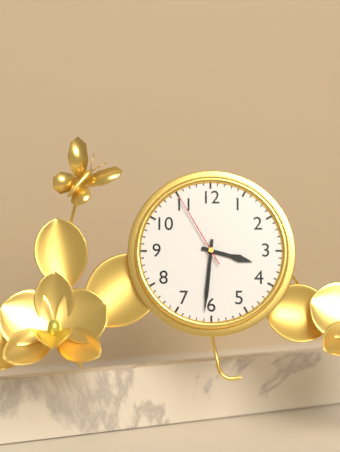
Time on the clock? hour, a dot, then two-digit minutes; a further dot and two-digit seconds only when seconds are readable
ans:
3.31.55
